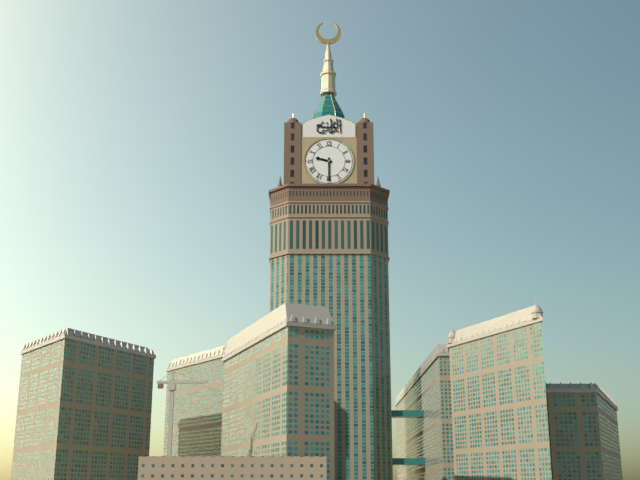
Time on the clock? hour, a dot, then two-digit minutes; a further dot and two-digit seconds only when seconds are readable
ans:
9.30
